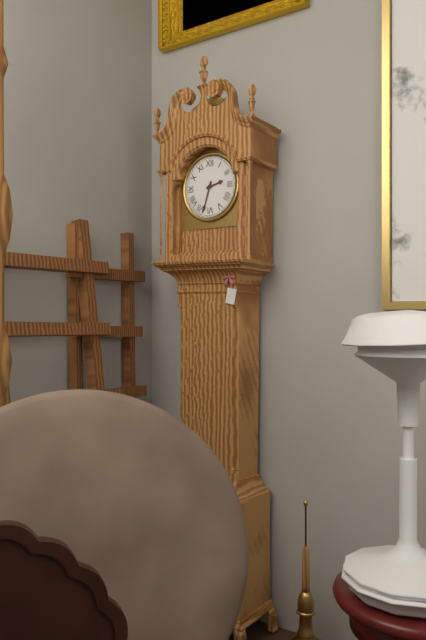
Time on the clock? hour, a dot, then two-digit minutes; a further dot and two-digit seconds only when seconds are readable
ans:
2.33
